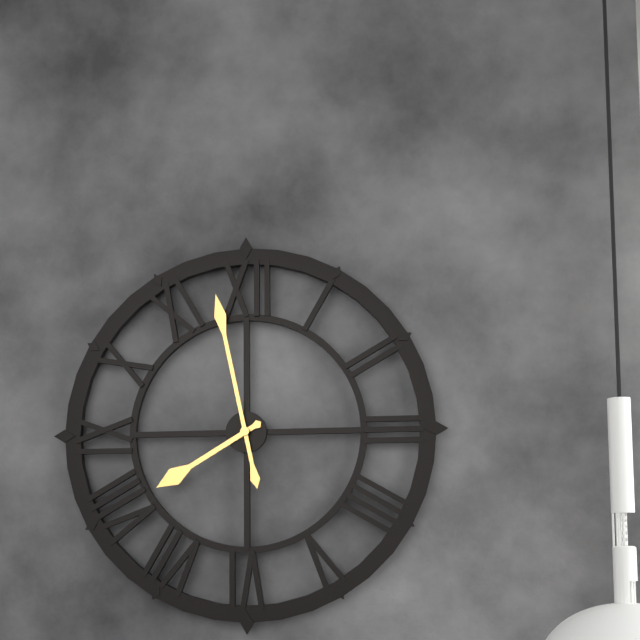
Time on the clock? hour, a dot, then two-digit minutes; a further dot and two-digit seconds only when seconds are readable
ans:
7.58
